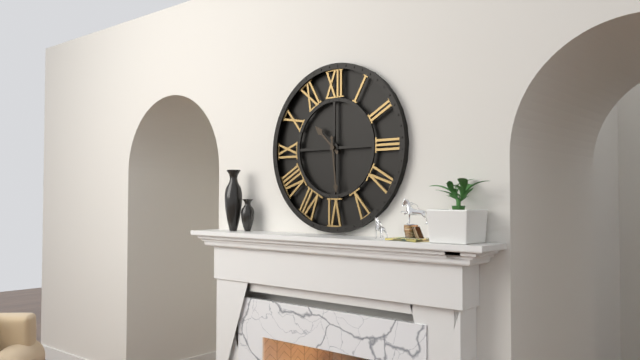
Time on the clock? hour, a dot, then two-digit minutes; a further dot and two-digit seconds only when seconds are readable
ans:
10.29
